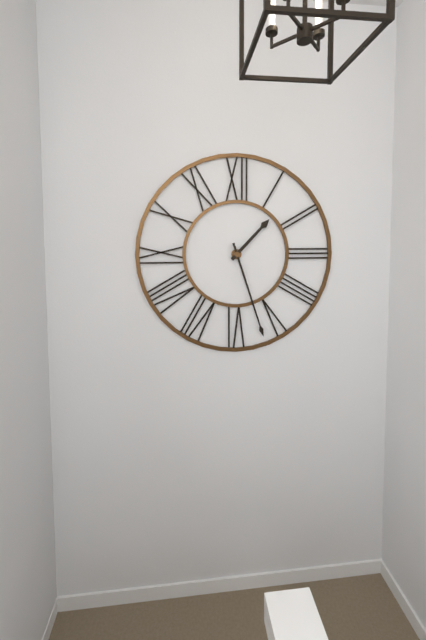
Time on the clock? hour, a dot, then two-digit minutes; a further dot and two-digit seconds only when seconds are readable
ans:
1.27
